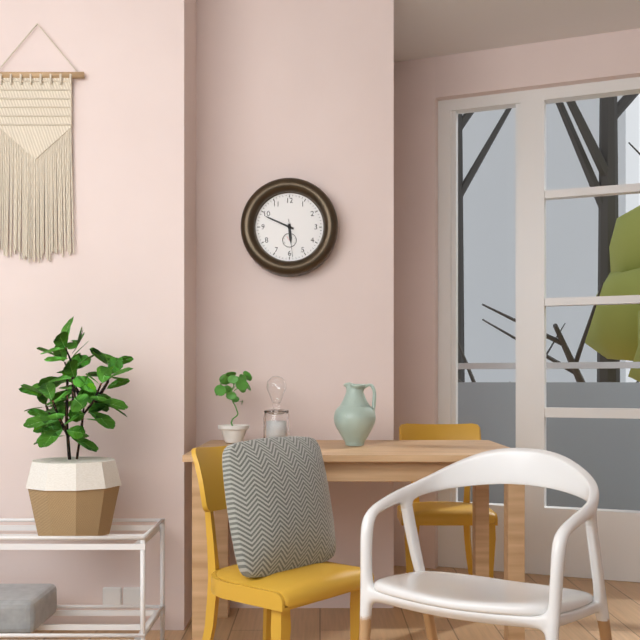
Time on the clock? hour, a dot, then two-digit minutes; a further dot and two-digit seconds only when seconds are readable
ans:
5.49
